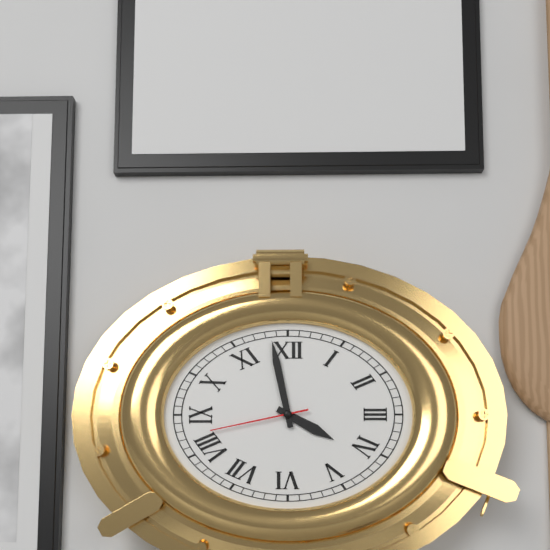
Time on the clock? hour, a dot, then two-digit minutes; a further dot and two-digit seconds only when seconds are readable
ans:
3.58.43
